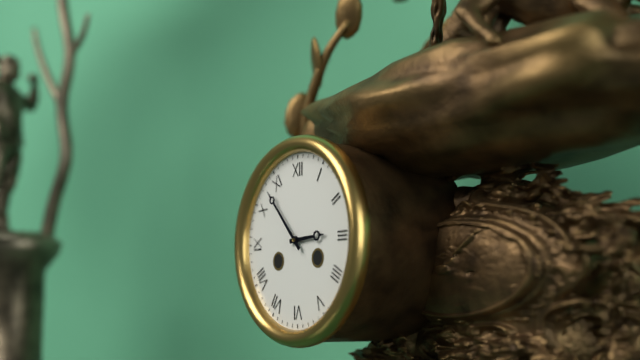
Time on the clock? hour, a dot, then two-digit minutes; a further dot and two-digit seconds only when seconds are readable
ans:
2.53
